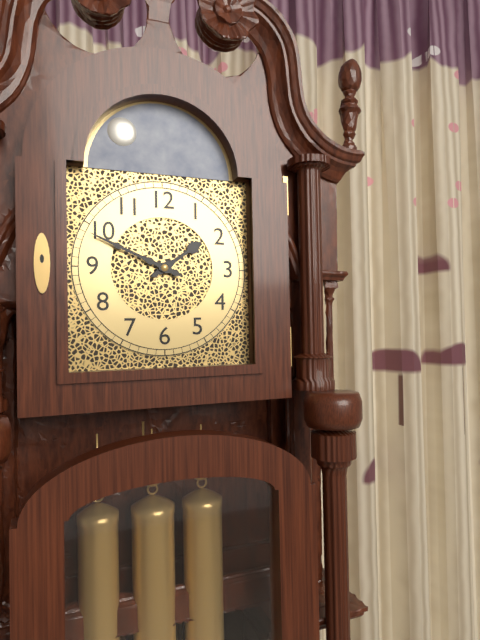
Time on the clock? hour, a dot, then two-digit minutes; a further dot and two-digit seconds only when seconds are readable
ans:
1.49
